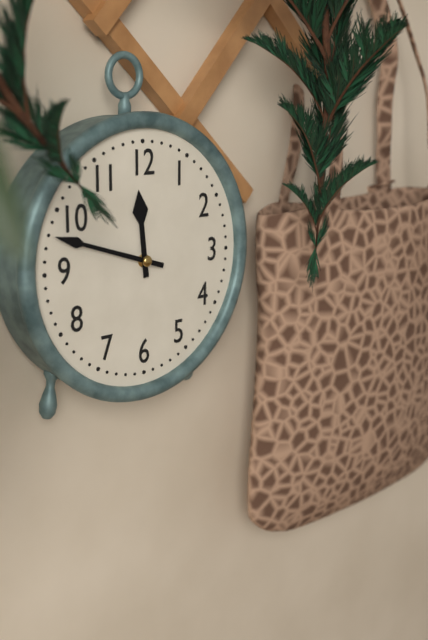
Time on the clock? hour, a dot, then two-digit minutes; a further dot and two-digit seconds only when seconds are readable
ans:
11.48
